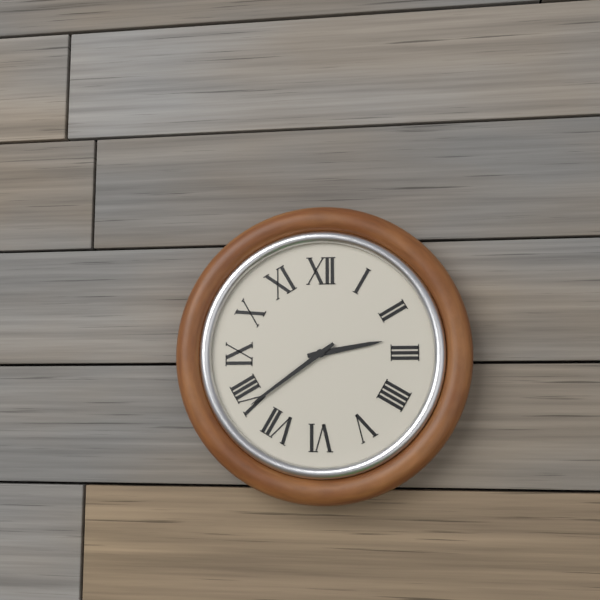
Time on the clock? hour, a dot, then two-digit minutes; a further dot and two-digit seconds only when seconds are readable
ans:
2.39
